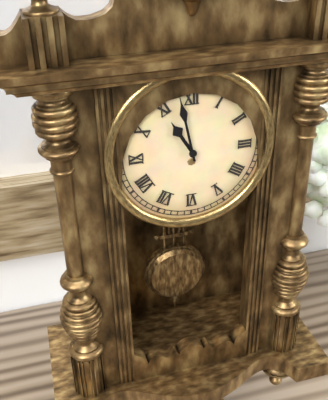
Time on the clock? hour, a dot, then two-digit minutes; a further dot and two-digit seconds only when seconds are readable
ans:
10.58
